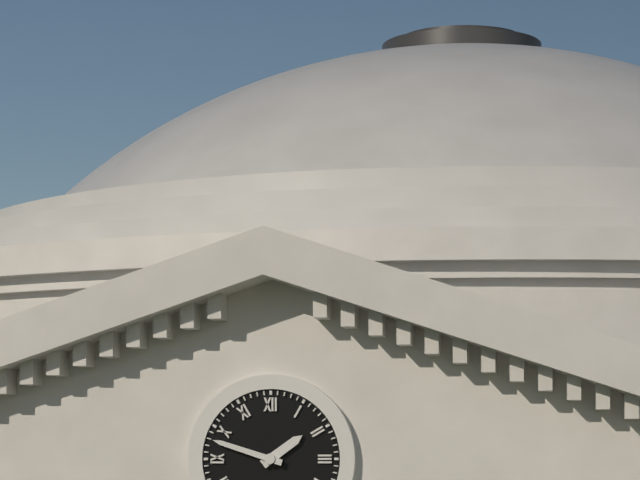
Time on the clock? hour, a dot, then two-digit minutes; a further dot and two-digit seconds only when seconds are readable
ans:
1.48
